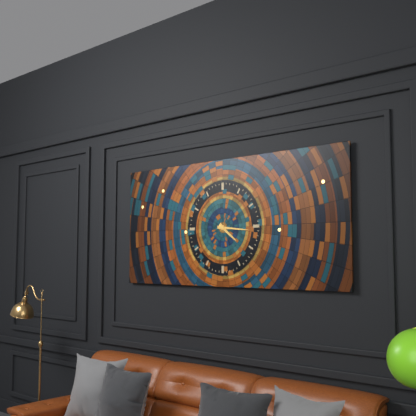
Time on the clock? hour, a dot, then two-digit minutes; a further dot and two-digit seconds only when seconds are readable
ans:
4.16
